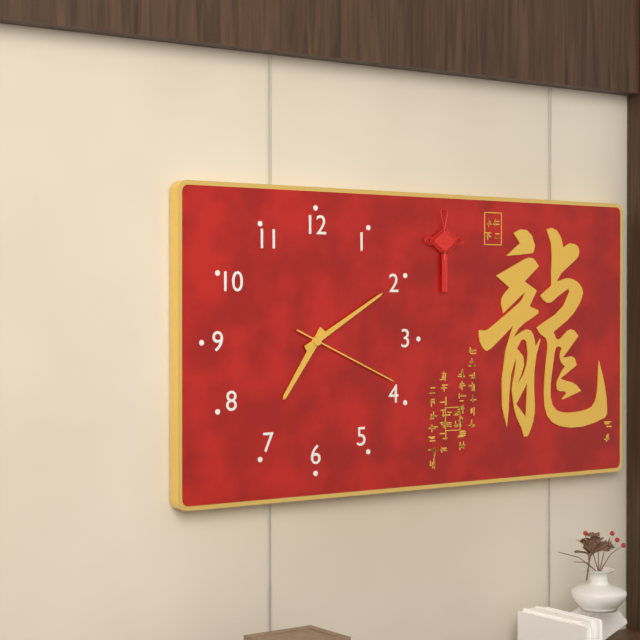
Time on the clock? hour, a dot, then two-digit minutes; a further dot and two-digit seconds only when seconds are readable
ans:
7.10.19
